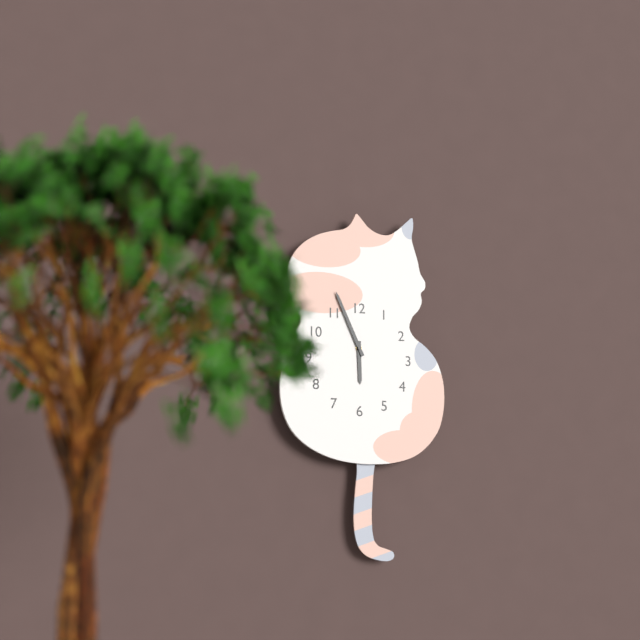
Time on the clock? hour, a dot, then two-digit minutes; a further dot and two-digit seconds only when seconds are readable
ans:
5.56
